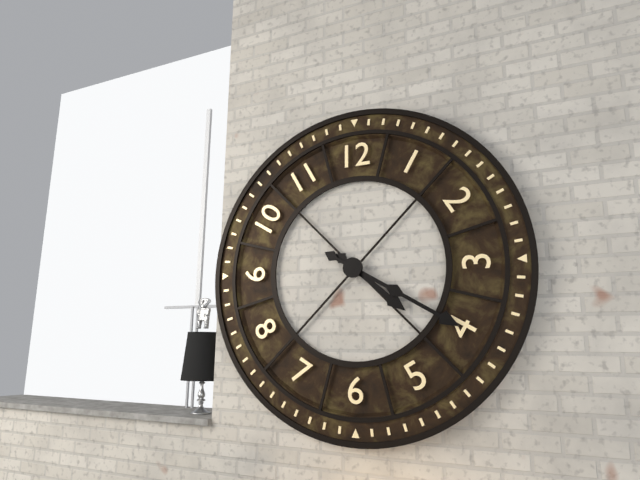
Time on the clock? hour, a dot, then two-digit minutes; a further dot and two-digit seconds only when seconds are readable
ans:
4.20
